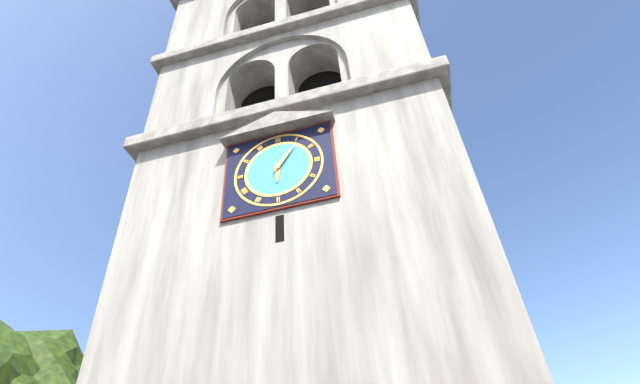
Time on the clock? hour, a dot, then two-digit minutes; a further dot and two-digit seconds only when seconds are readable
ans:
6.06
